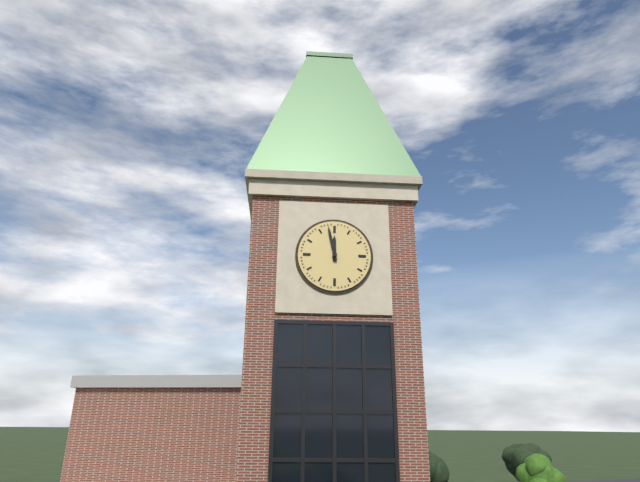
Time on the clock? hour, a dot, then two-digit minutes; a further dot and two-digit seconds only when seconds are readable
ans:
11.58
